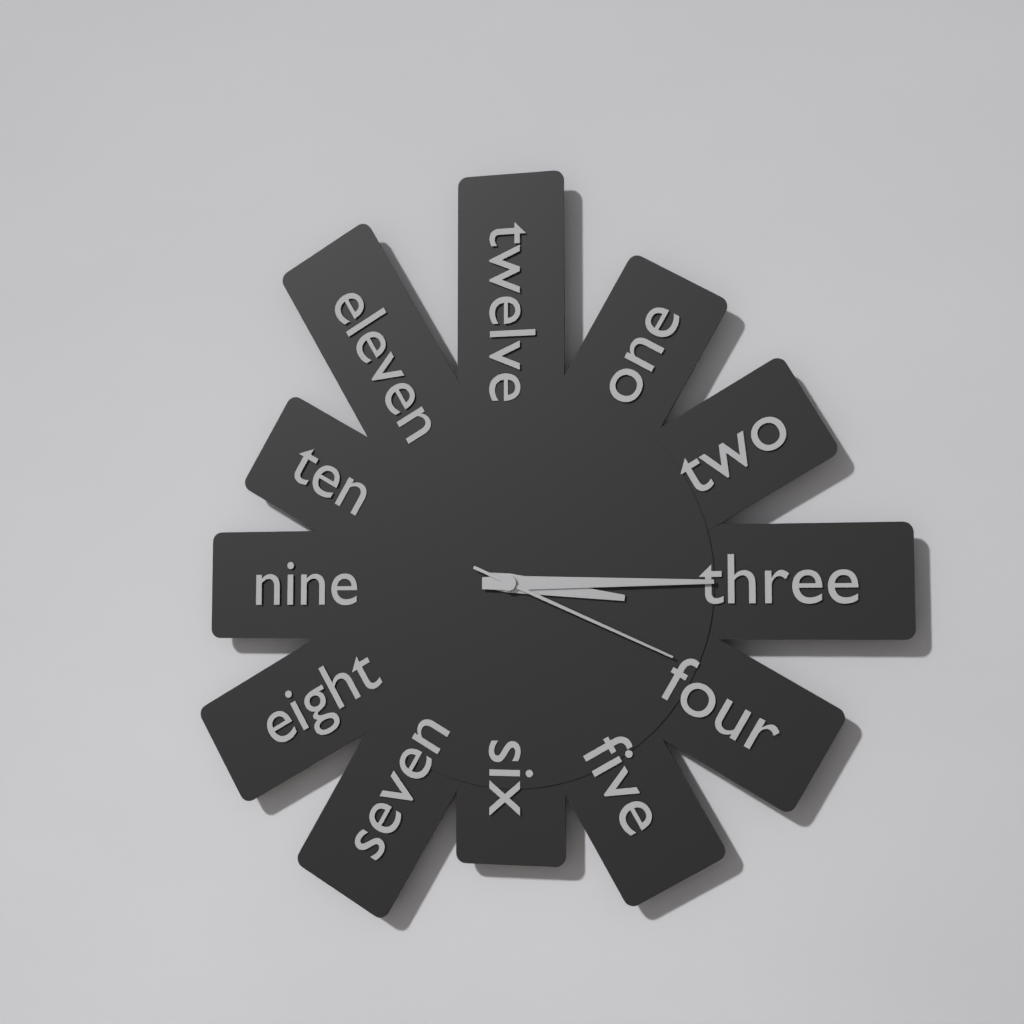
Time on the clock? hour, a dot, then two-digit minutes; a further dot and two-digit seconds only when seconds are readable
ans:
3.15.19
